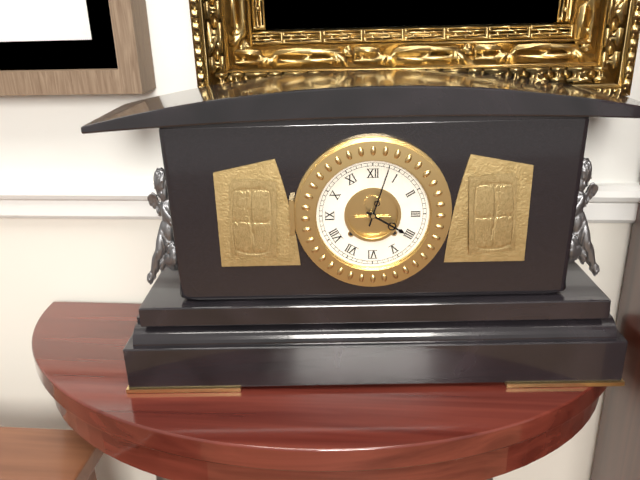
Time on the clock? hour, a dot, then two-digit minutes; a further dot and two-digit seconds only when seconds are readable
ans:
4.03
